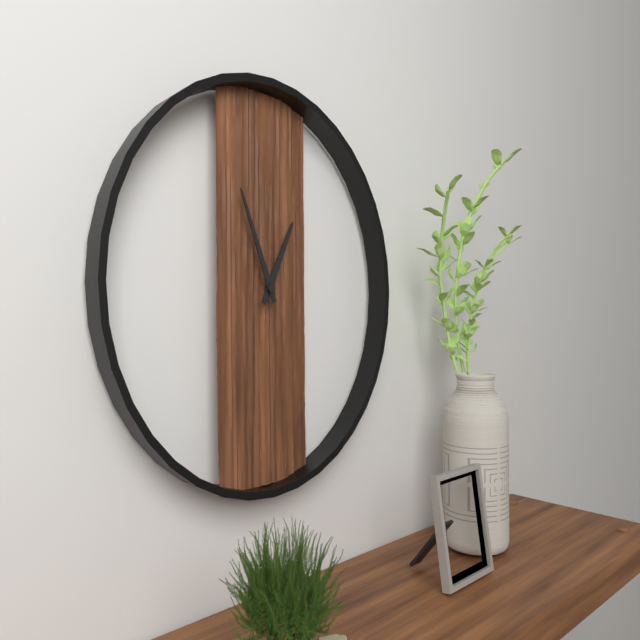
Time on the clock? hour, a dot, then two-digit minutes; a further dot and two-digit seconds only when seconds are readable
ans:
12.56
